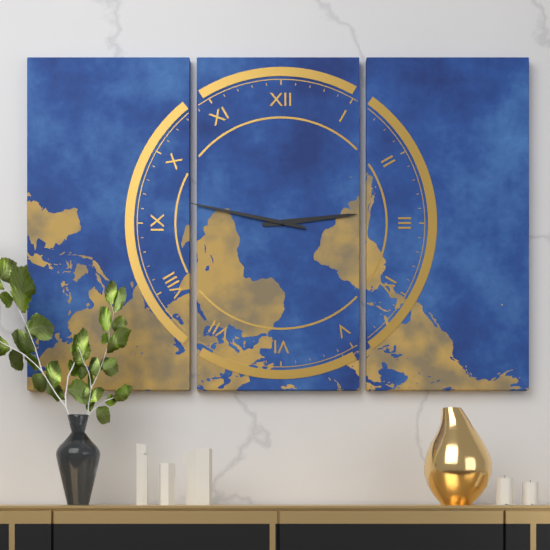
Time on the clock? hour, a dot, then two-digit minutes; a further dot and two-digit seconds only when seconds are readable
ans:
2.47
